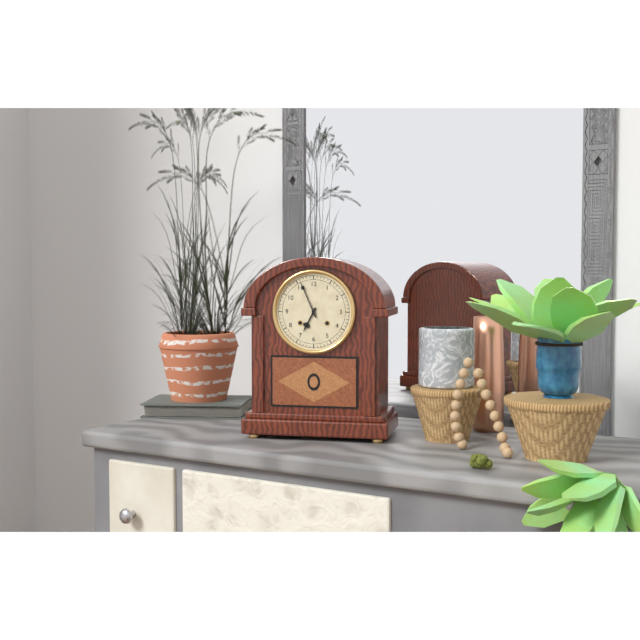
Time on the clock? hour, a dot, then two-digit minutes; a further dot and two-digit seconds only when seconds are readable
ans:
6.56
